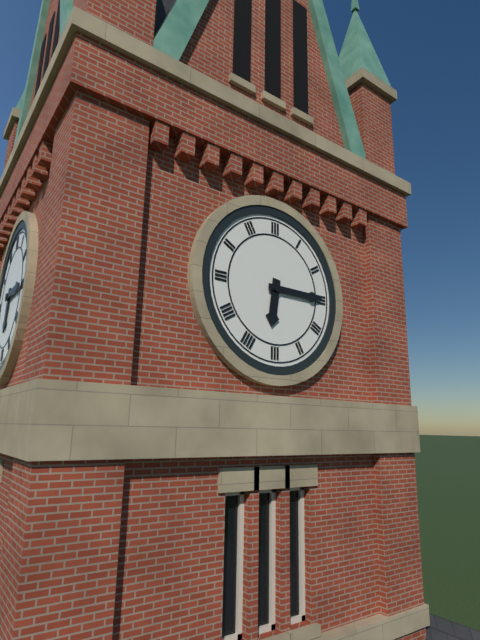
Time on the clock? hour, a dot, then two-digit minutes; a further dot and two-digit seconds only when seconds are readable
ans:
6.15
